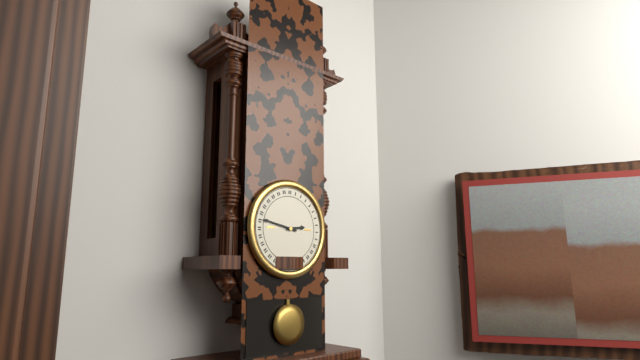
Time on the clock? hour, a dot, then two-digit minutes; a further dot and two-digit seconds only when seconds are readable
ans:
2.47
